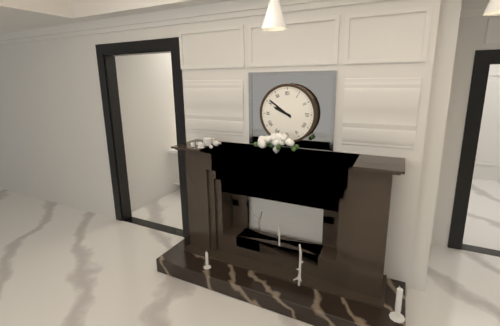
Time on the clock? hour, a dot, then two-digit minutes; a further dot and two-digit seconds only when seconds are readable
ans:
9.51
